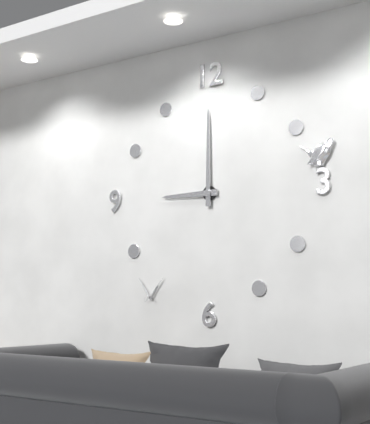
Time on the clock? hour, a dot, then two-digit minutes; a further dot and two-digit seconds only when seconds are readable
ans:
9.00
